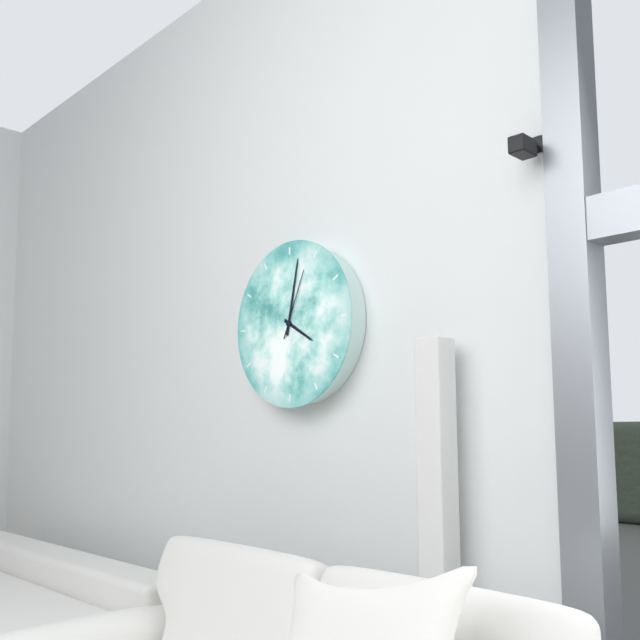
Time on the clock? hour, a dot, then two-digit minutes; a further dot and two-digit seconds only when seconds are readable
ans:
4.02.04
